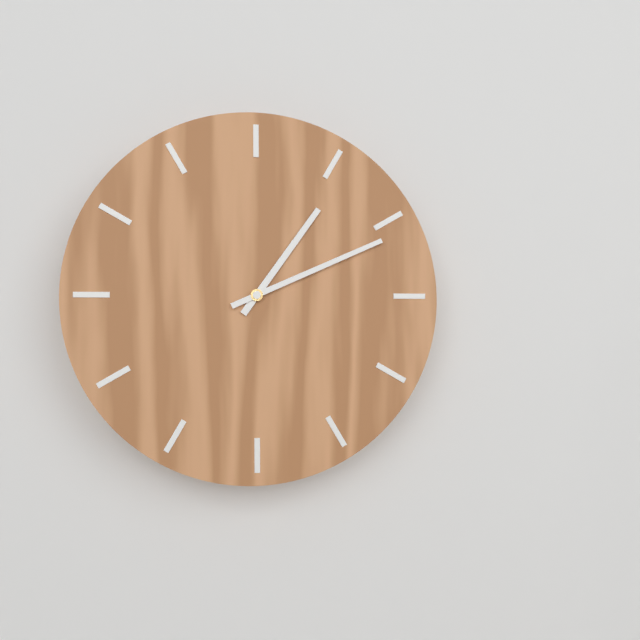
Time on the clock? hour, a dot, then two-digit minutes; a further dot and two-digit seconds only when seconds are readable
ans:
1.11
